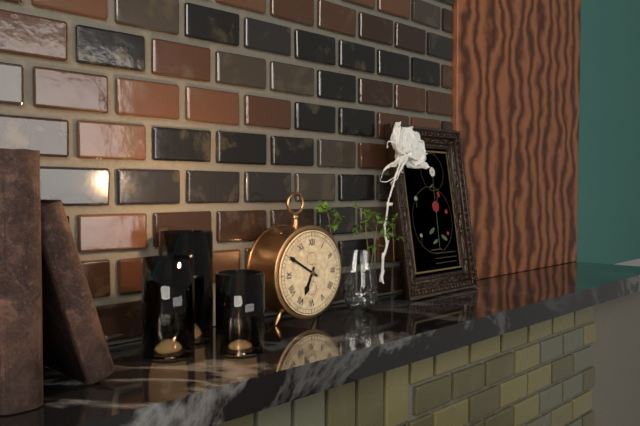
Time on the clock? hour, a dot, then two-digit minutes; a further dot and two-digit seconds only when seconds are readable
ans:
6.50
